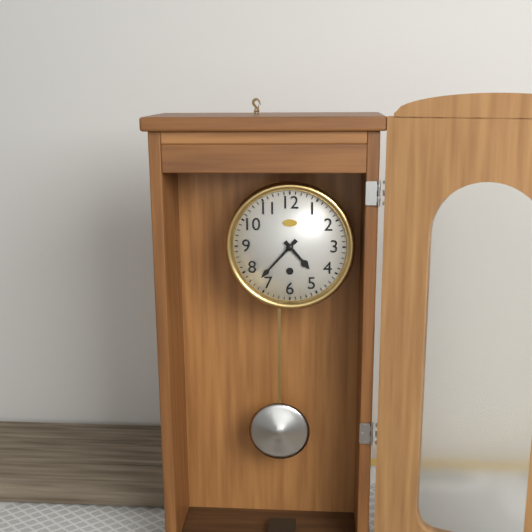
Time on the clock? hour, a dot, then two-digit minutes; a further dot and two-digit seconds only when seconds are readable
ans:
4.37
